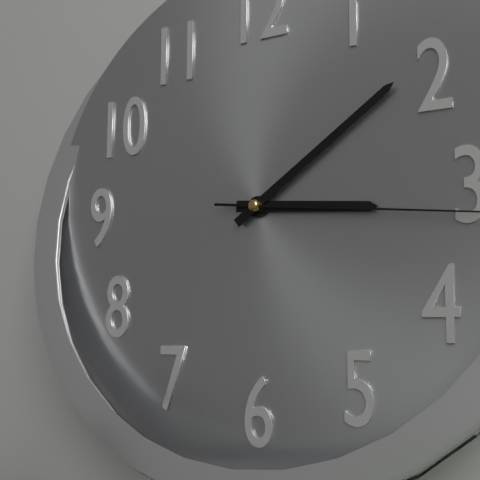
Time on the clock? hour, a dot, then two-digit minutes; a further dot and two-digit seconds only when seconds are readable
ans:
3.09
